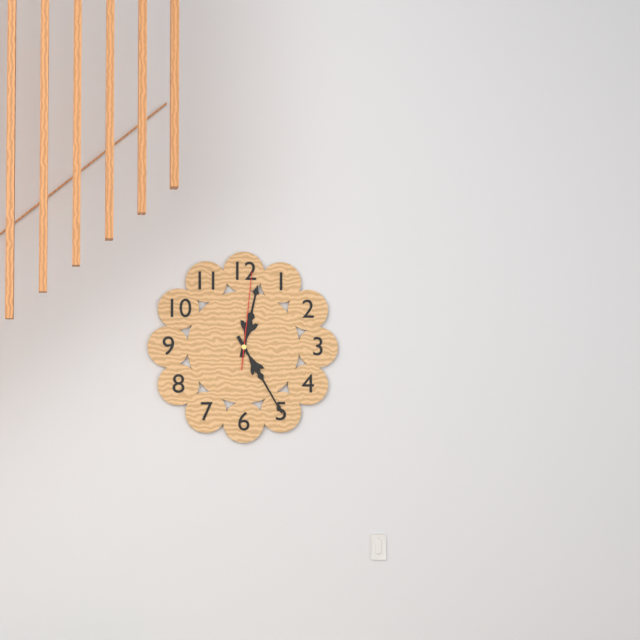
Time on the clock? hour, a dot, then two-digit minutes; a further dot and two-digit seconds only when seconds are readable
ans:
12.25.01
